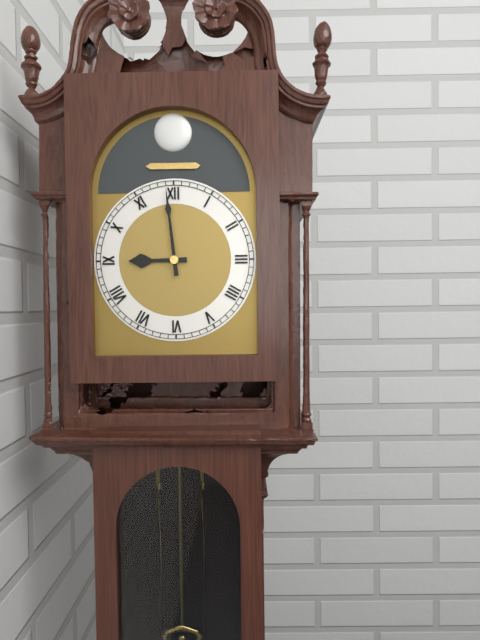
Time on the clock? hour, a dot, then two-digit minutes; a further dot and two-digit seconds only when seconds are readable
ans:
8.59
